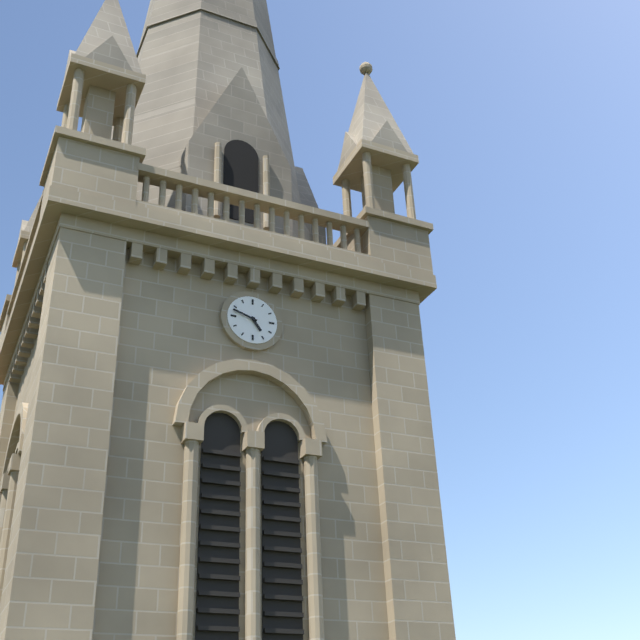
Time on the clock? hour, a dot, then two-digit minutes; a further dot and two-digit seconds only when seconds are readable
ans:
4.48
